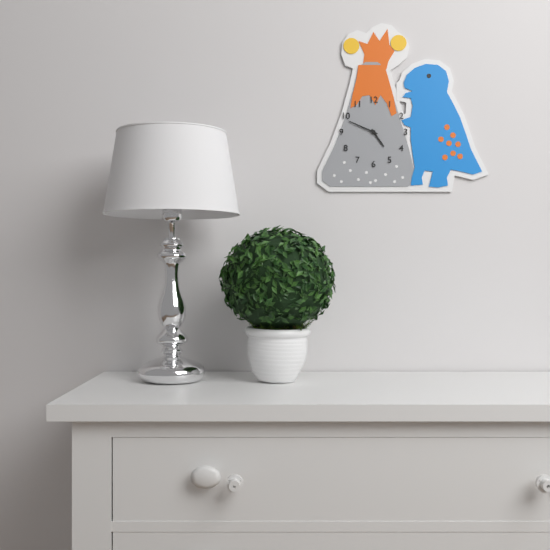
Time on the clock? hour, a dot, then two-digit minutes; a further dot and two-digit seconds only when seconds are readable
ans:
4.49
